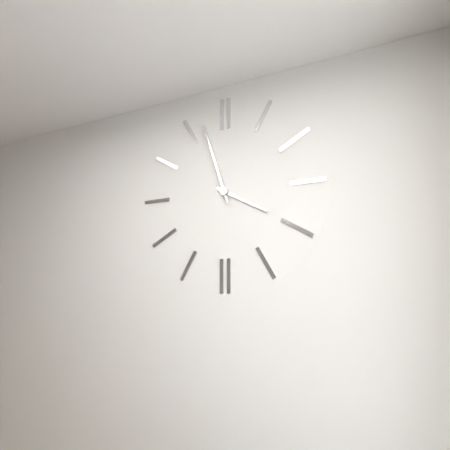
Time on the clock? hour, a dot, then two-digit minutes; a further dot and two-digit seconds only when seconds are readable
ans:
3.57
